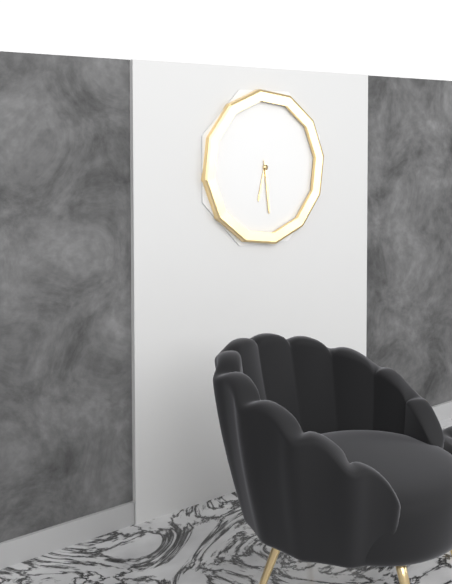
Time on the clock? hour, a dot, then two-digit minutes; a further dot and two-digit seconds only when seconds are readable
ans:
6.29
